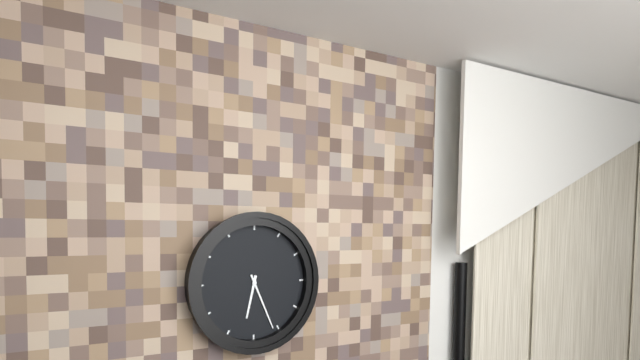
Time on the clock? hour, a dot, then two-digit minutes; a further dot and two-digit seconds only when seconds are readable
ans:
6.26
